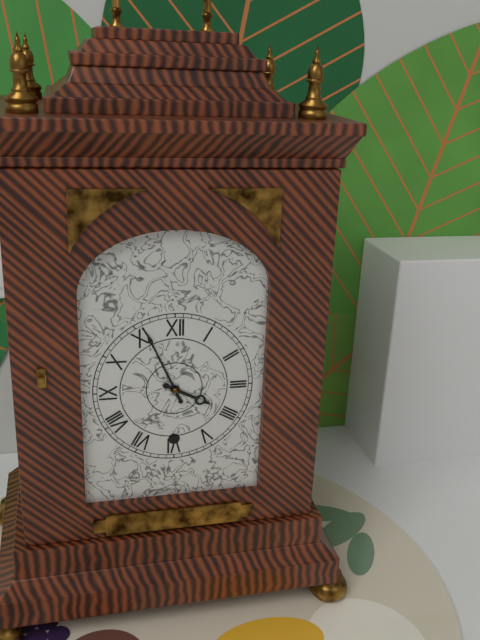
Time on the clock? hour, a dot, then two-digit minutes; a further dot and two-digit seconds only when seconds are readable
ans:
3.56
